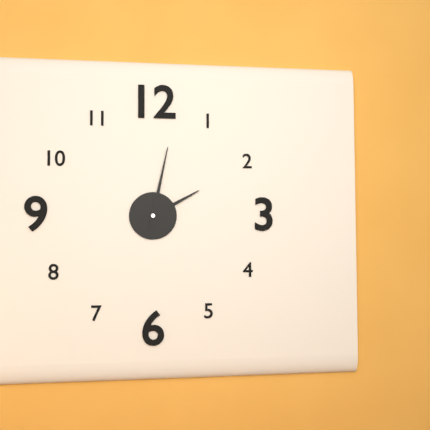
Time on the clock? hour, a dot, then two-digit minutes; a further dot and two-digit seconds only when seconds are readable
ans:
2.02
